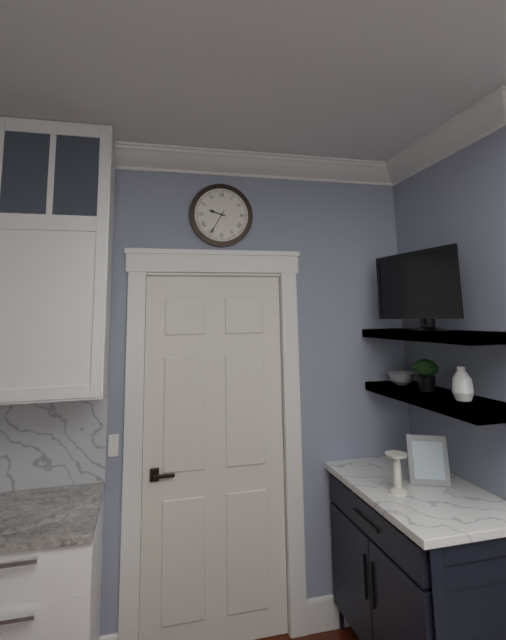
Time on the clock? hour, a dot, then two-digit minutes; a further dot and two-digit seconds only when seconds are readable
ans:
9.35
